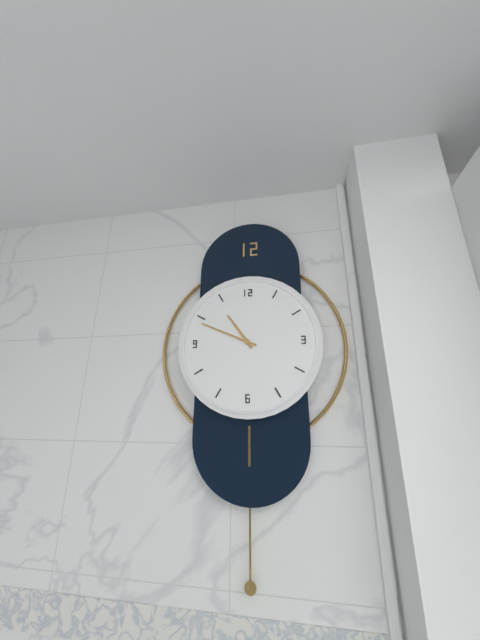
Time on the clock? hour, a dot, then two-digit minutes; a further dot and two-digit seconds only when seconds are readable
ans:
10.49
